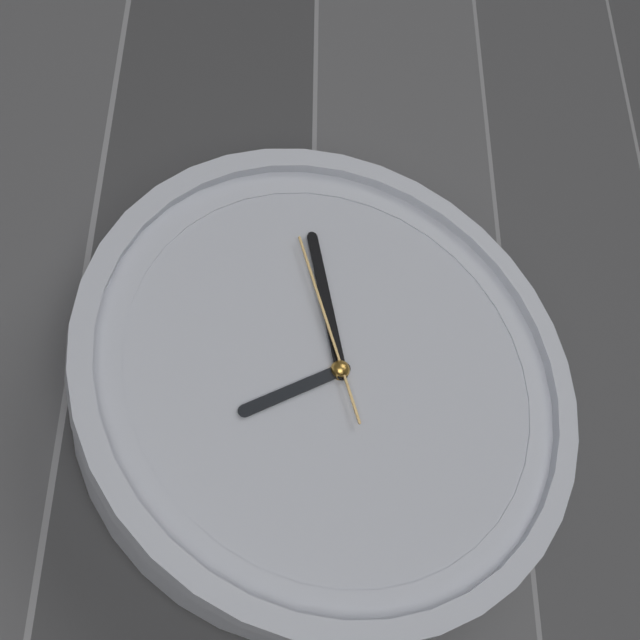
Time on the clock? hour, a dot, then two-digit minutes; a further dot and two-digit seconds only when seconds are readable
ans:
7.58.57
